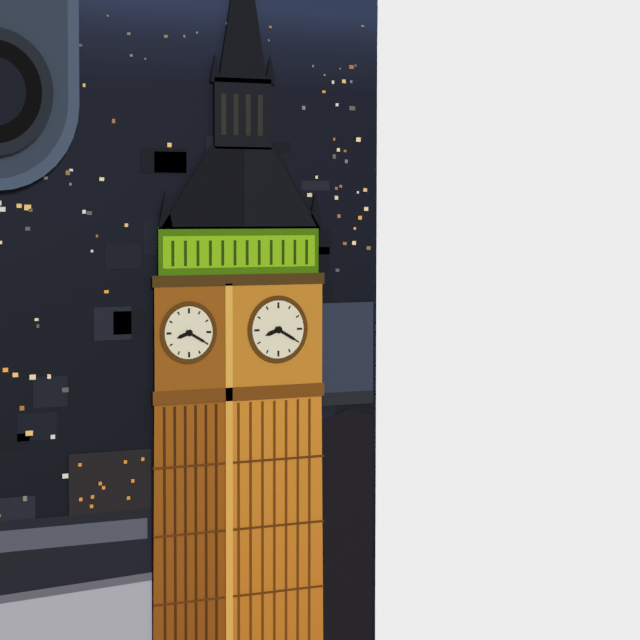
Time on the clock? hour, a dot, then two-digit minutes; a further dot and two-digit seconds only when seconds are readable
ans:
8.20
